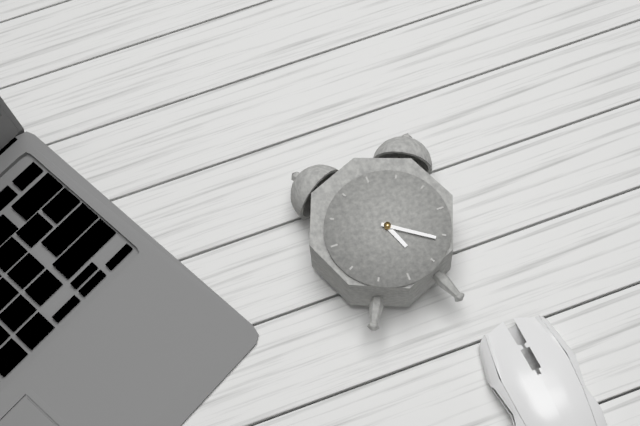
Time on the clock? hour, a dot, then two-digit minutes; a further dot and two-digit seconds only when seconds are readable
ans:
5.21
